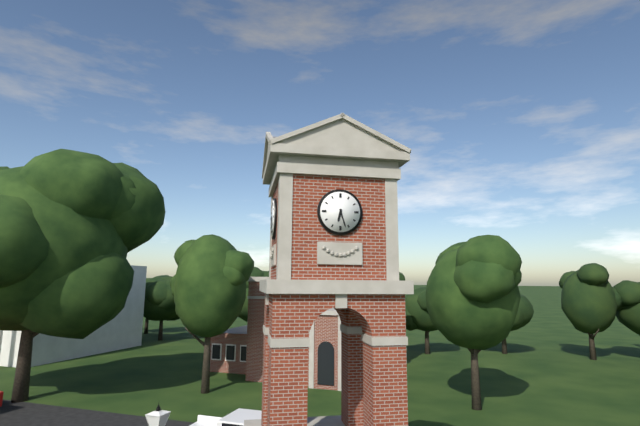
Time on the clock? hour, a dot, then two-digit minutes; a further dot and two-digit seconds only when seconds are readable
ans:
6.27
